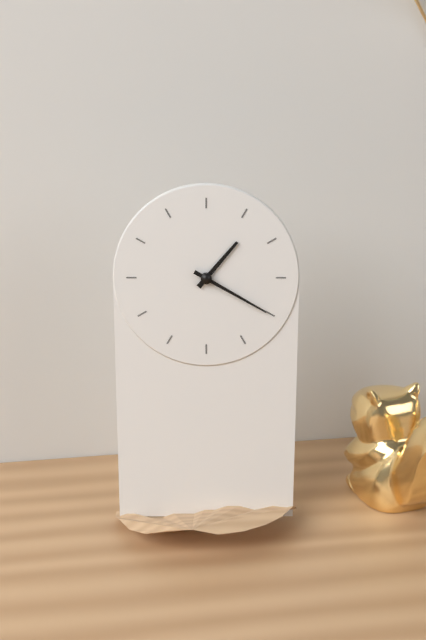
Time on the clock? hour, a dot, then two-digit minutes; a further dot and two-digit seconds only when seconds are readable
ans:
1.20
